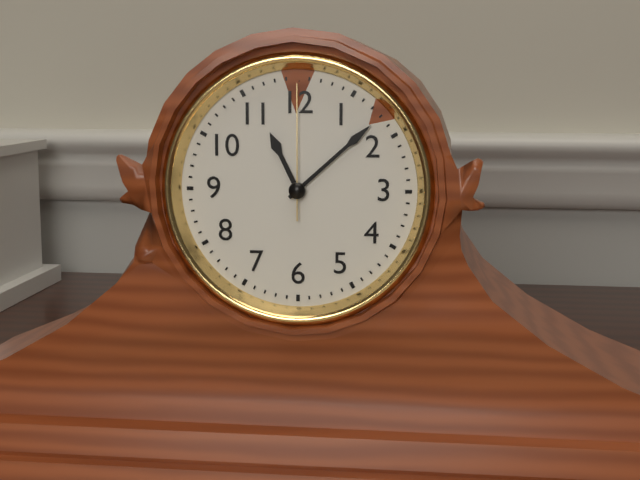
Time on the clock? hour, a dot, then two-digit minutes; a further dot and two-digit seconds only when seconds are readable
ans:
11.08.00
